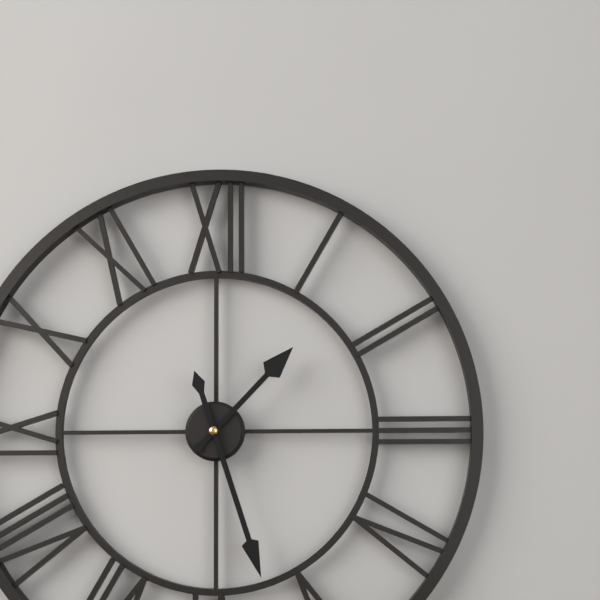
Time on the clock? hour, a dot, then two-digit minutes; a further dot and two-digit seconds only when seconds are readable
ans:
1.27
